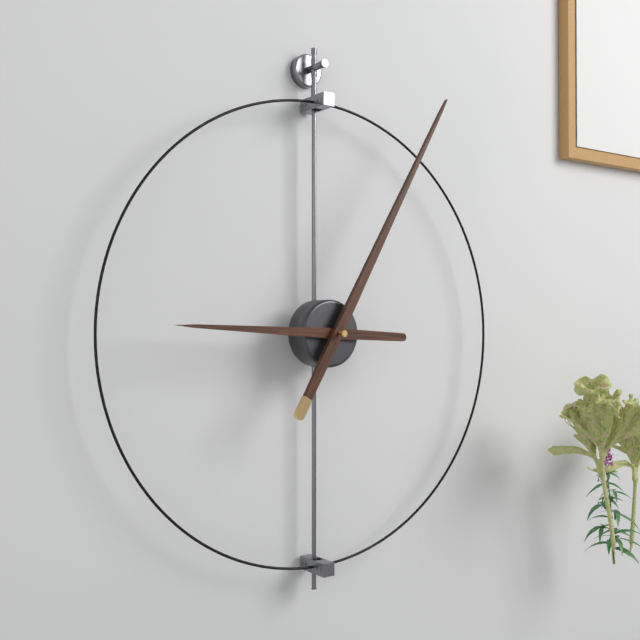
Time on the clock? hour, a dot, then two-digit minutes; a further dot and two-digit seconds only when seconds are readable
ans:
9.05
